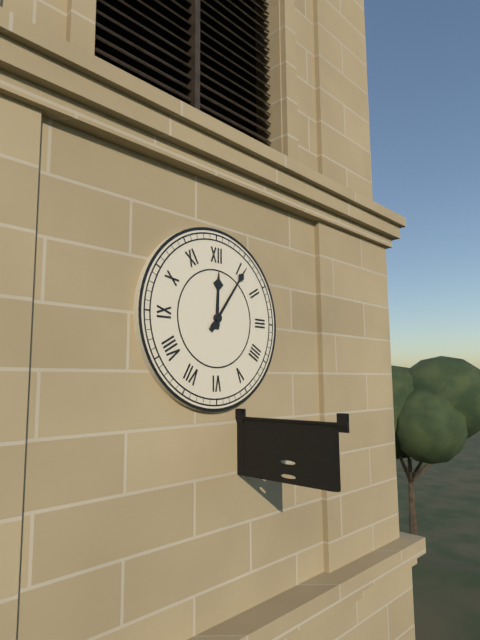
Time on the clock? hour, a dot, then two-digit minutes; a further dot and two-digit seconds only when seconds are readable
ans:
12.06
